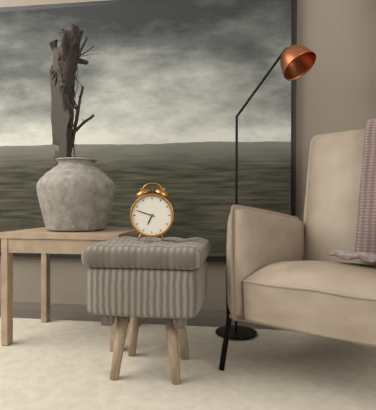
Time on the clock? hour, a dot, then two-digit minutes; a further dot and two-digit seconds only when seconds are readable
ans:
6.48
